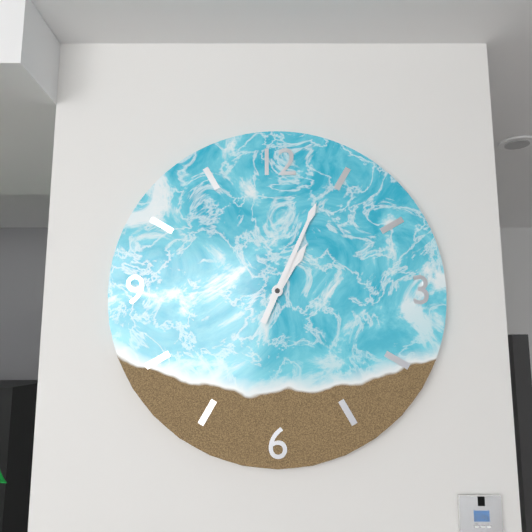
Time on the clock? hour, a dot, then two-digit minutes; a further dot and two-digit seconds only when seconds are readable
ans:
1.04
